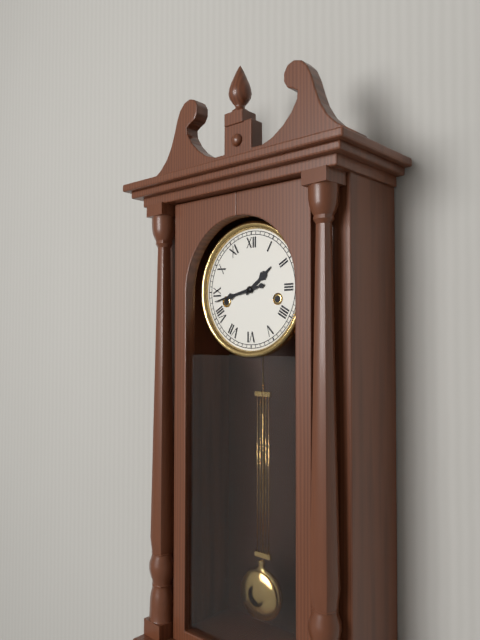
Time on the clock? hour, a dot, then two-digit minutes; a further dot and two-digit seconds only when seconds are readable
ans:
1.43
